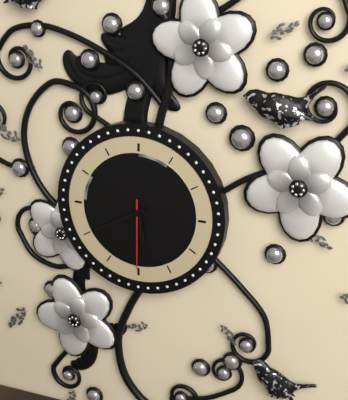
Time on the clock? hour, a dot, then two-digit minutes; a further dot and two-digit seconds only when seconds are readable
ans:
5.40.30
